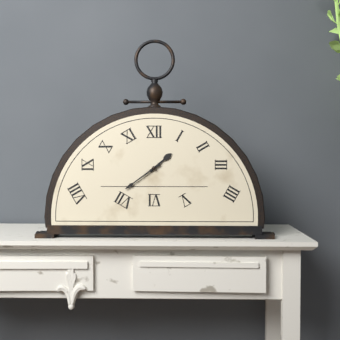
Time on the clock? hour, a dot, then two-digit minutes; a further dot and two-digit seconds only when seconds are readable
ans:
1.39
